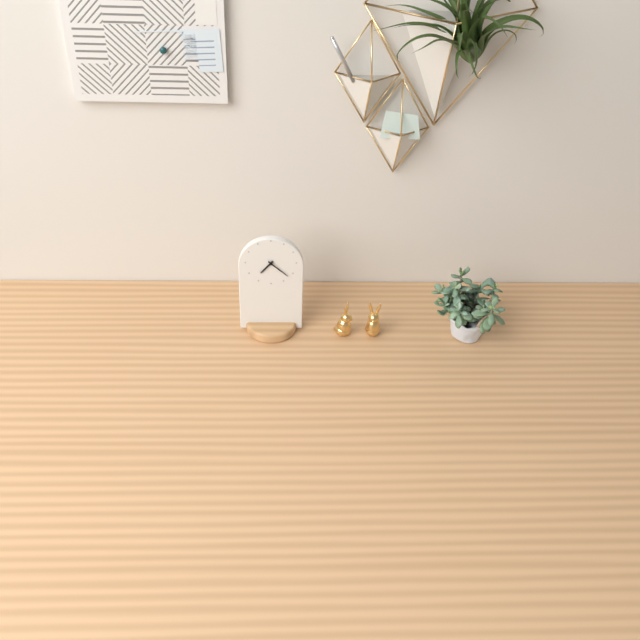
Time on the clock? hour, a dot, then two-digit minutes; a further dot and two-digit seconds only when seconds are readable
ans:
7.22
